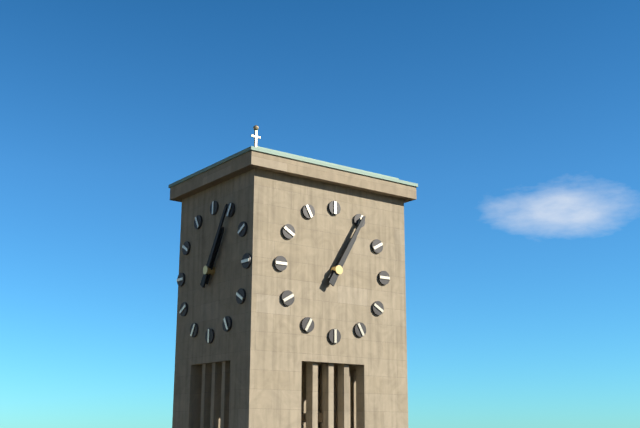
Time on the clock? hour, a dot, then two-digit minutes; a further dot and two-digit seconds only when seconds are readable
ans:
1.05
